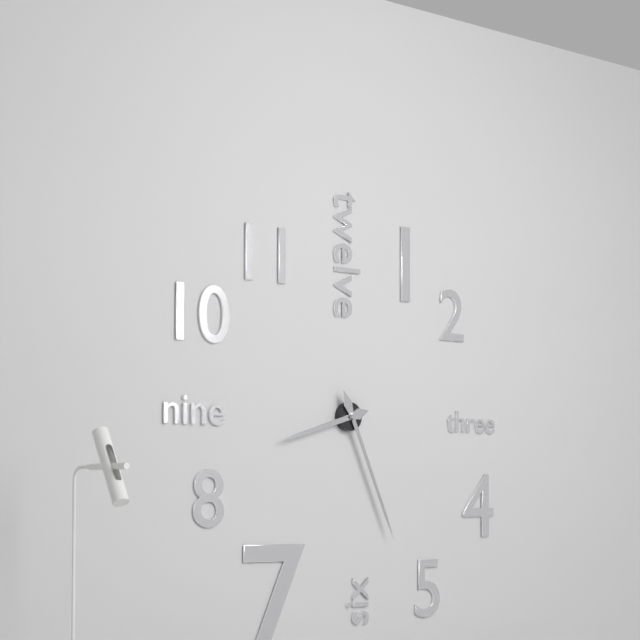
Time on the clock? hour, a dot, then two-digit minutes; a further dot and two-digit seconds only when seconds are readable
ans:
8.26
